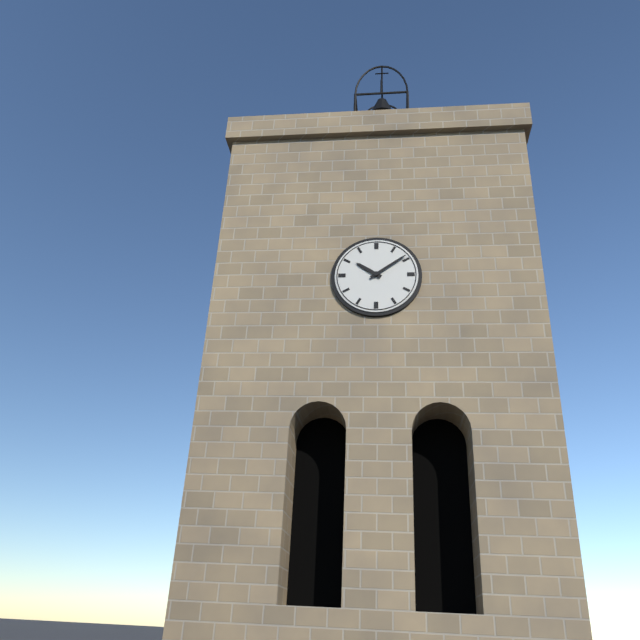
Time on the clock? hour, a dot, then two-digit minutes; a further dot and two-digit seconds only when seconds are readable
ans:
10.09
